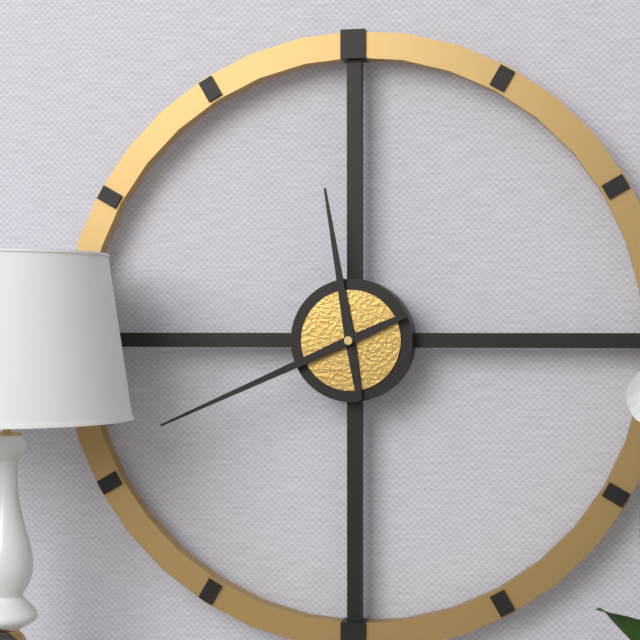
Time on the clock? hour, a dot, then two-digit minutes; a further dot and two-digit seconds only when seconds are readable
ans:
11.41
